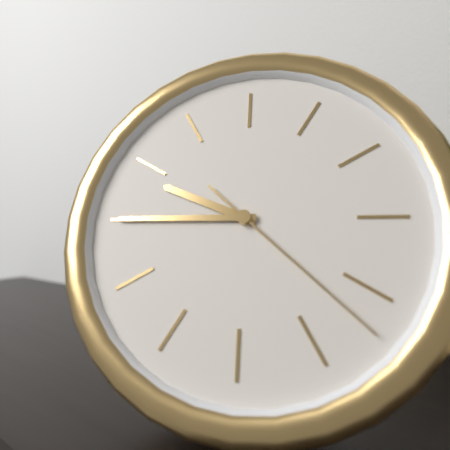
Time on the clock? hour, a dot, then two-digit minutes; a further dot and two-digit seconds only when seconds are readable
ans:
9.45.22
